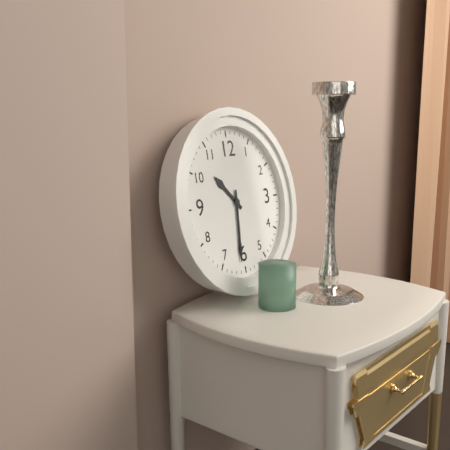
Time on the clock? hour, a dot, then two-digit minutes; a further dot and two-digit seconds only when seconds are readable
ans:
10.31
